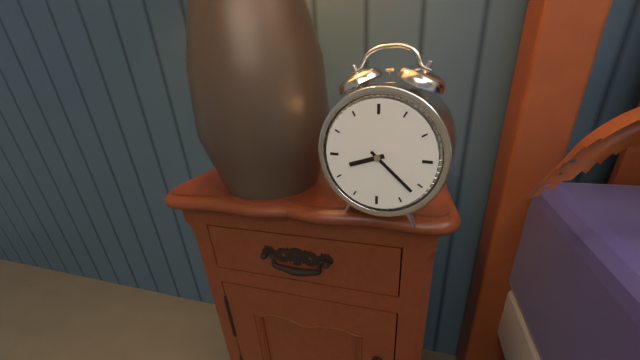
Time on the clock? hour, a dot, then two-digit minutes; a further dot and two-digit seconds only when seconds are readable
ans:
8.22
